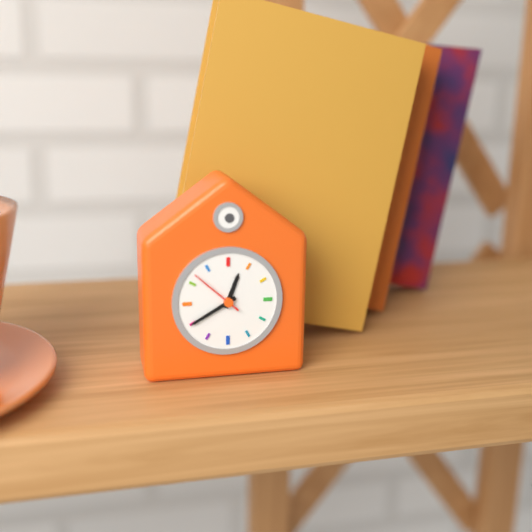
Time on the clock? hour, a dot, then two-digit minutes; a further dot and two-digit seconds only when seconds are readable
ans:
12.40
